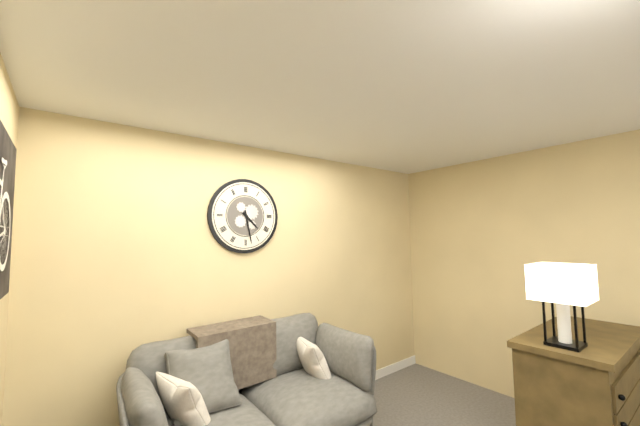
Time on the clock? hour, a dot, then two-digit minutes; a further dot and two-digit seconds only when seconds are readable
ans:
4.28
